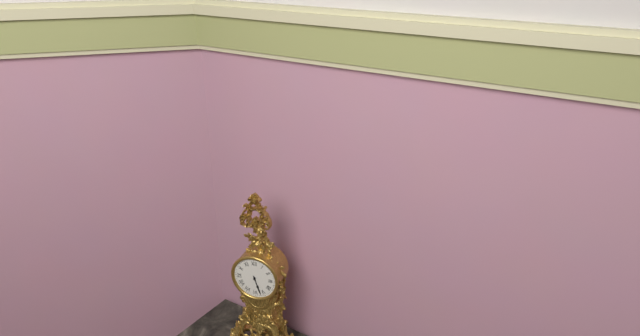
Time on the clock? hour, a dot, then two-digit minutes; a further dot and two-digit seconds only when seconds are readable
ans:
5.27
